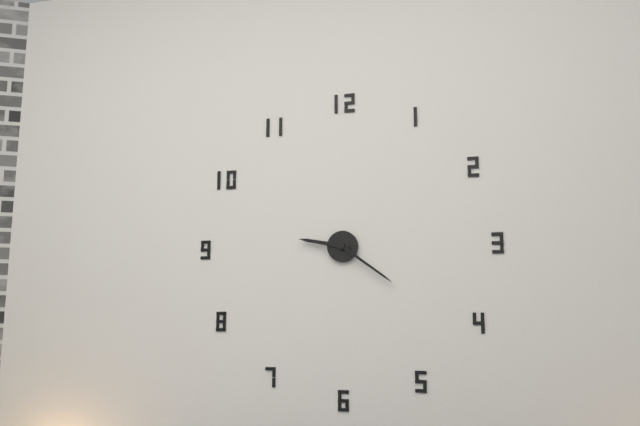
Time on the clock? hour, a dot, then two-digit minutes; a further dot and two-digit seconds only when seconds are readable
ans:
9.21
